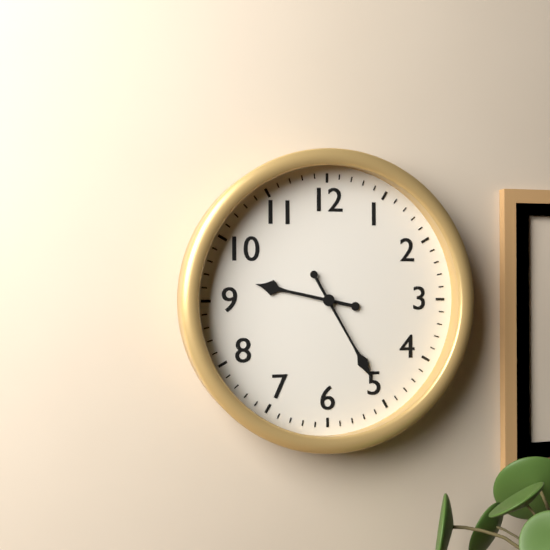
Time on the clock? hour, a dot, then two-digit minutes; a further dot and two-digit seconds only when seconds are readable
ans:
9.25
